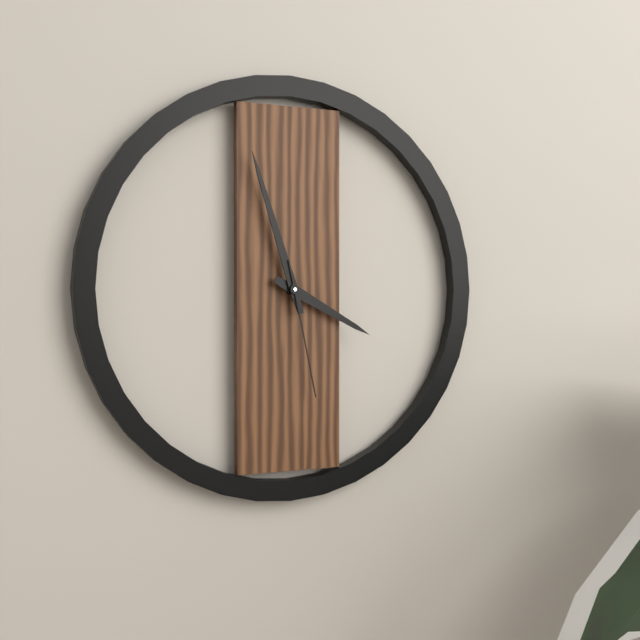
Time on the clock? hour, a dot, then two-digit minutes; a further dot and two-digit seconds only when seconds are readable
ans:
3.57.28
